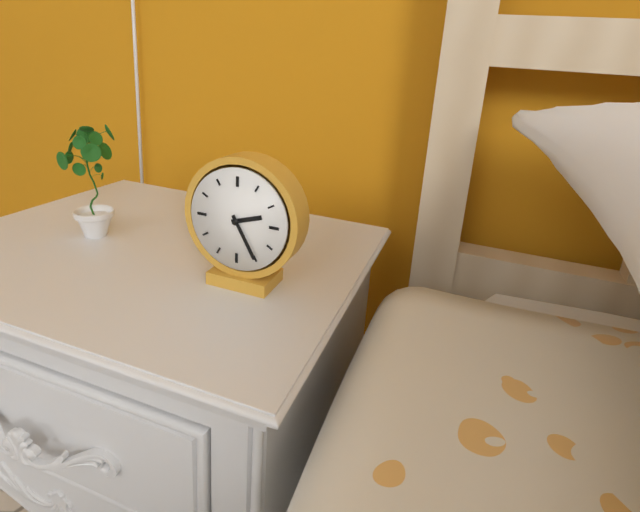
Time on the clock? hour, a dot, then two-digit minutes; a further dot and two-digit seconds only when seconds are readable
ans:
2.25
